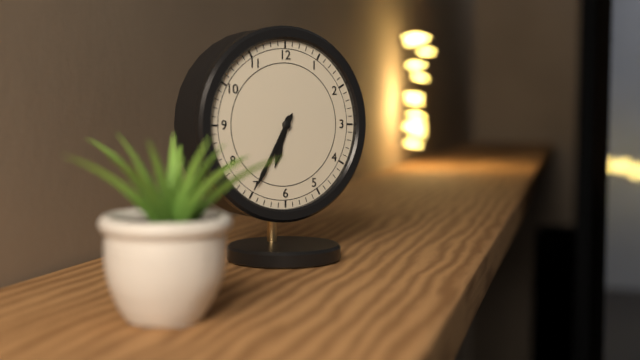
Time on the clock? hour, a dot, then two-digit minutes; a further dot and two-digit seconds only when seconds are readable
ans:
6.35
